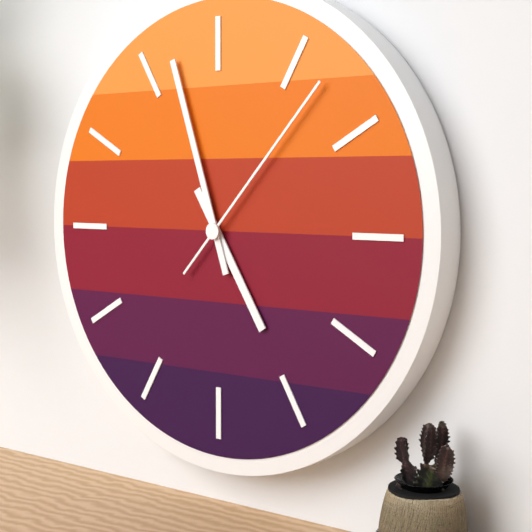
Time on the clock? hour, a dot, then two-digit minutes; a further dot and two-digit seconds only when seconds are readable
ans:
4.57.07
